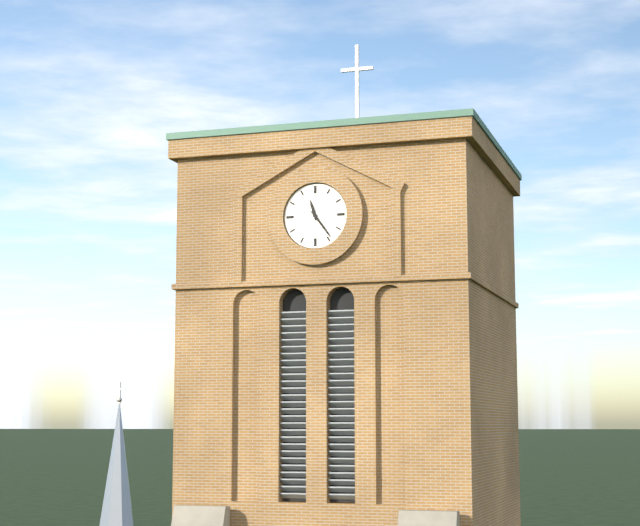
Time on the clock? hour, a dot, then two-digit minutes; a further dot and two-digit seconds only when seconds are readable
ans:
11.24
